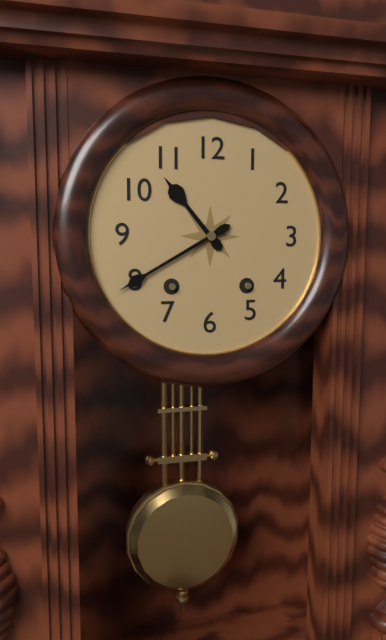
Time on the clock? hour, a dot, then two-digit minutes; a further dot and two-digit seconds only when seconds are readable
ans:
10.40
